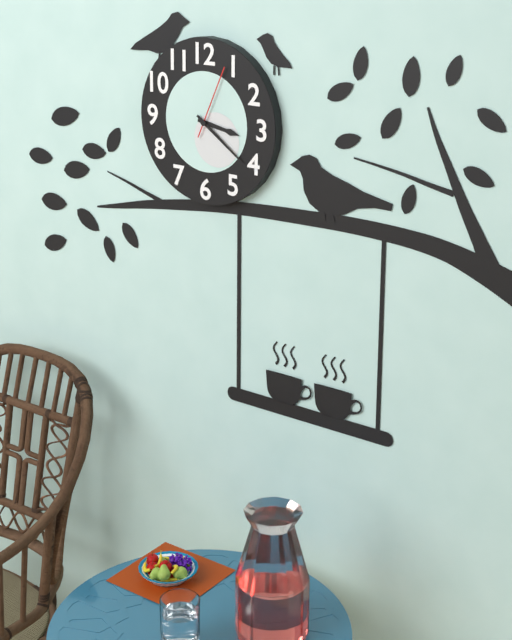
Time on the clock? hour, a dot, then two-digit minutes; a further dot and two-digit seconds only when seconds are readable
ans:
3.21.04
